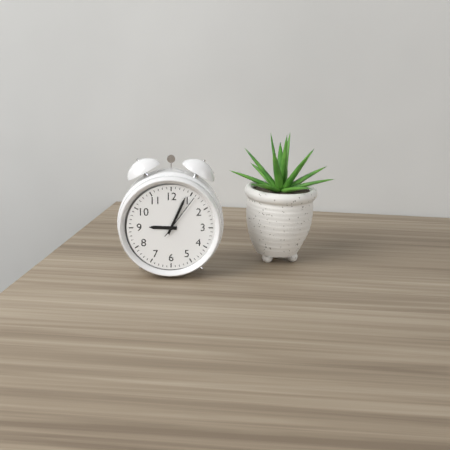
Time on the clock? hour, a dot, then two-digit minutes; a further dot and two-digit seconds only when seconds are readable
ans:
9.04
